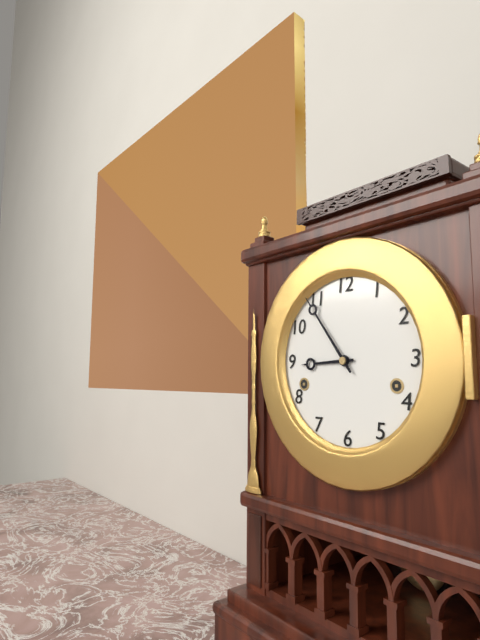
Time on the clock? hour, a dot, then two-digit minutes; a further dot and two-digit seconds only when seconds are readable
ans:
8.54
